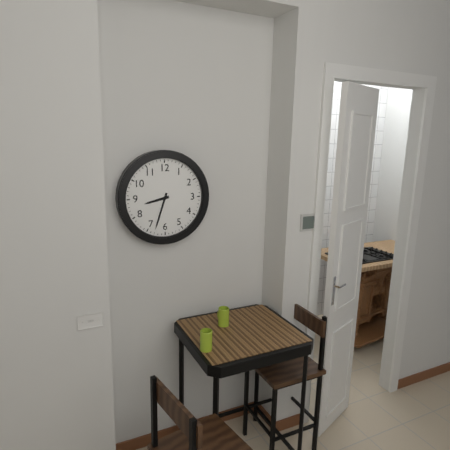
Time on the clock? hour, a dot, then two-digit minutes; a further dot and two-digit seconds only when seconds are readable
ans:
8.33
